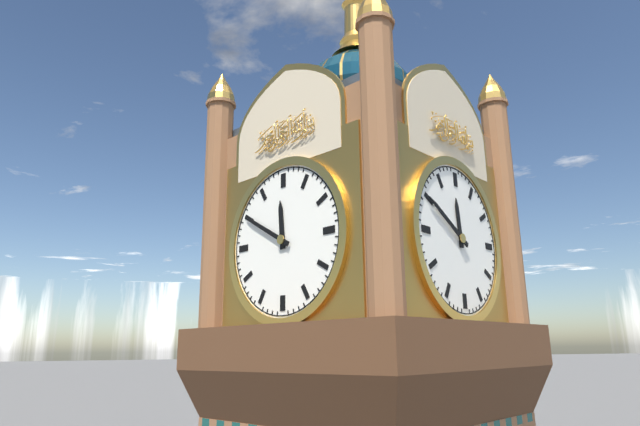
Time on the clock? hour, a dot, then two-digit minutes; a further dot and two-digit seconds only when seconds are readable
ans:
11.50
